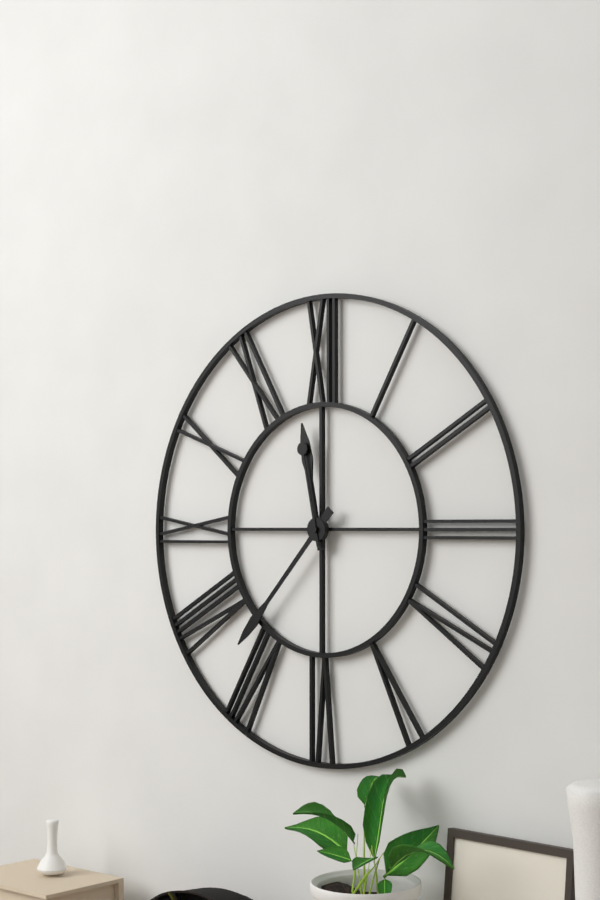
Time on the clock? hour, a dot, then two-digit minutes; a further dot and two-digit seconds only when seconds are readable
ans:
11.37.58
